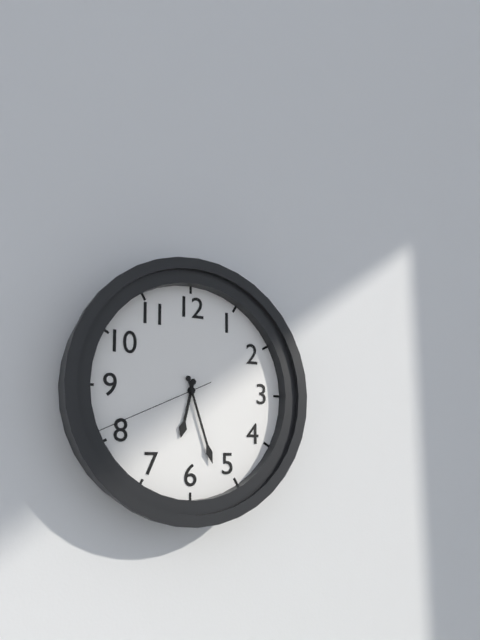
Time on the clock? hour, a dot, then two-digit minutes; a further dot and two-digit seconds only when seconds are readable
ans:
6.27.41
